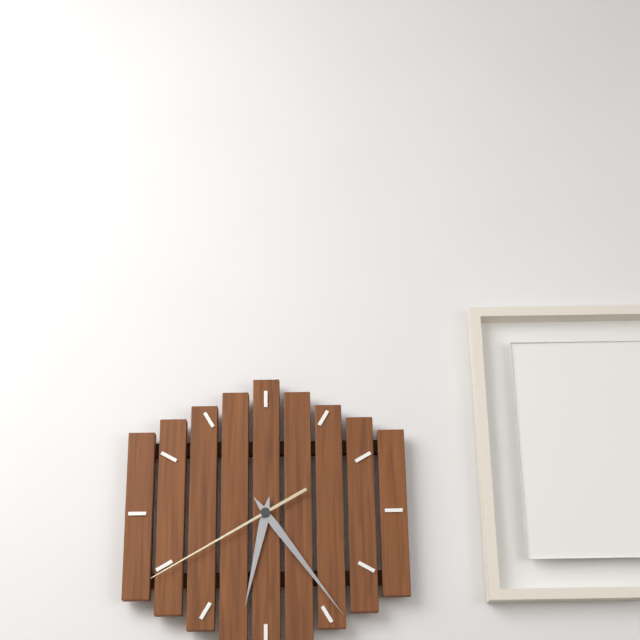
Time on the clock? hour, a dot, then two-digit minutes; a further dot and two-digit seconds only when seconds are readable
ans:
6.24.40
